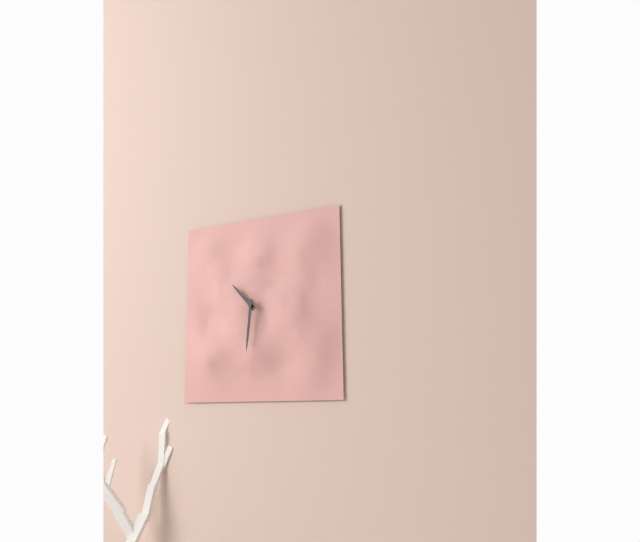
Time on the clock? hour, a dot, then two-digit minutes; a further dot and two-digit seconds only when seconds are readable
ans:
10.31
